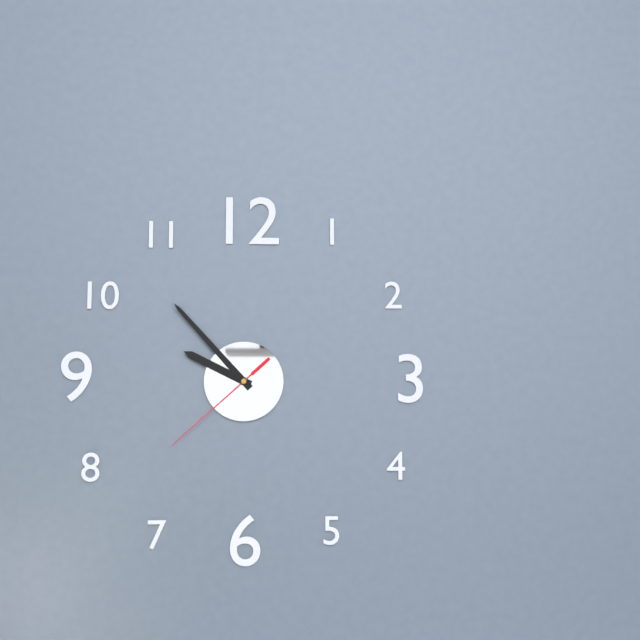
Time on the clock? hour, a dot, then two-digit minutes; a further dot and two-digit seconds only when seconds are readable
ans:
9.53.38
